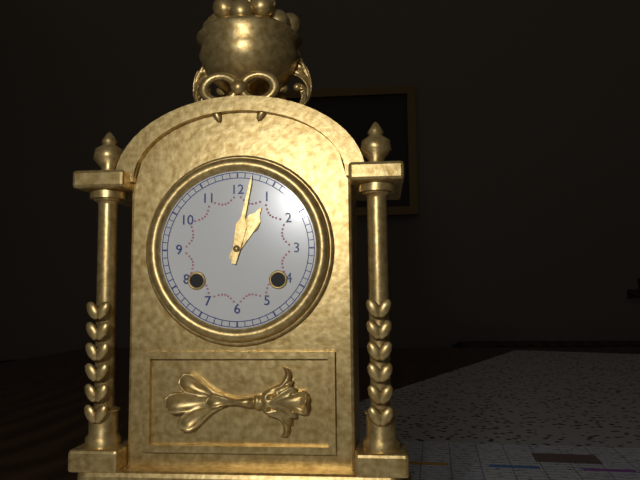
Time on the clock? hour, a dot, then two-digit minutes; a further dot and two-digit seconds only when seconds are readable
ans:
1.02
